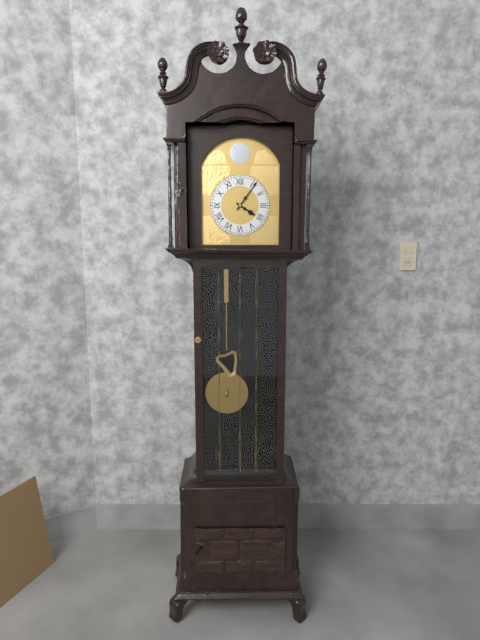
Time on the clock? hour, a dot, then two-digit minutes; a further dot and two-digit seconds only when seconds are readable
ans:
4.06
